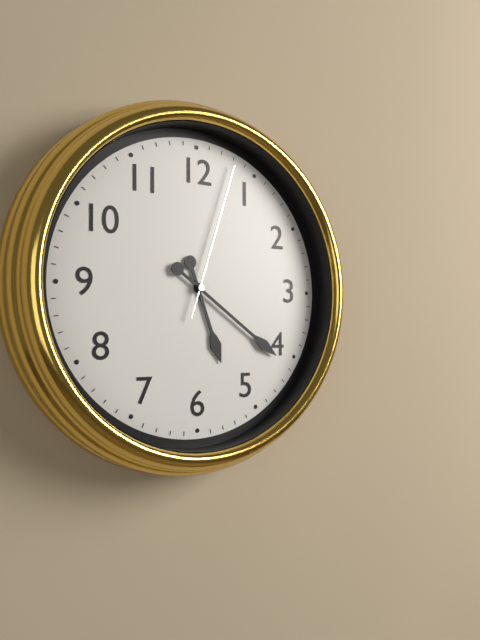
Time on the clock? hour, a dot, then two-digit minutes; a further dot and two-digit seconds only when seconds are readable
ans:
5.21.03
